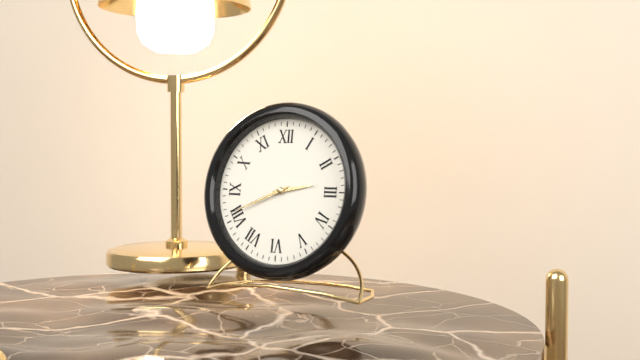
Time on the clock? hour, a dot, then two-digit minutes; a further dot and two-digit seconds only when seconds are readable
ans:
2.41
